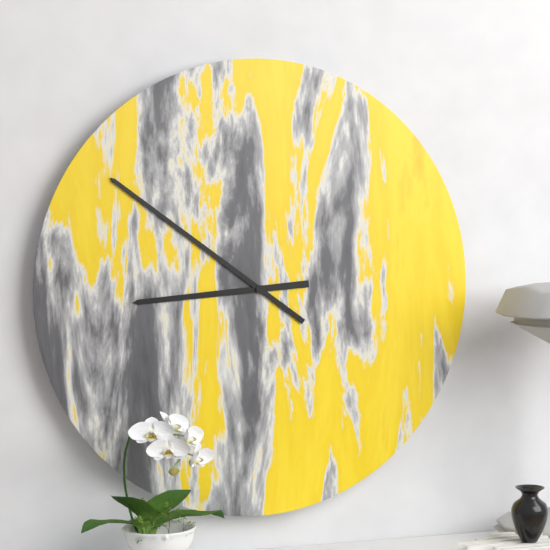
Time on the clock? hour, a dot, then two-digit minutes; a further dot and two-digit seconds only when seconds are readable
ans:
8.51
